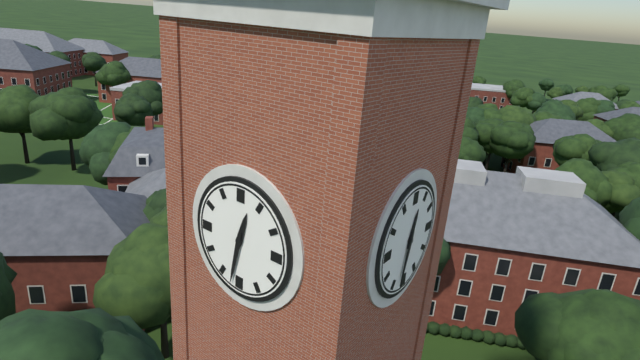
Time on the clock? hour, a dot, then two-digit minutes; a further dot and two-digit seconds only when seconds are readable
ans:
12.32
